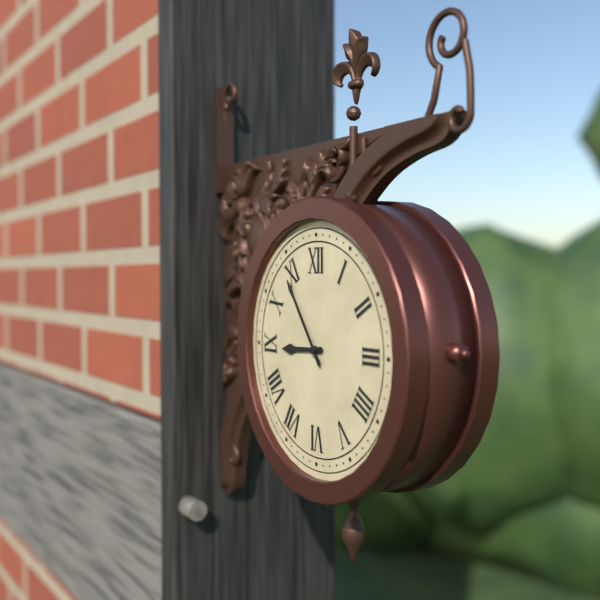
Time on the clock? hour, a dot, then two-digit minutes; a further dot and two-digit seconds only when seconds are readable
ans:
8.54
